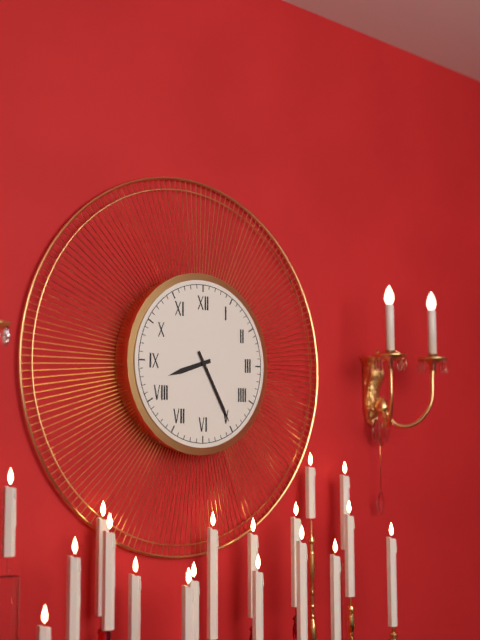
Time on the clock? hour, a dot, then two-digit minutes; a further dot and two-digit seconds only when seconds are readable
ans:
8.25
